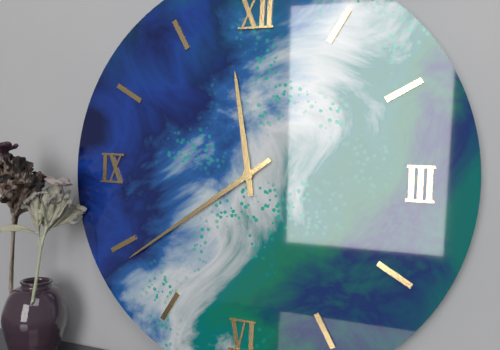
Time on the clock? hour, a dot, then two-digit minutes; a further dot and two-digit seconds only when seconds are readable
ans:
11.39
